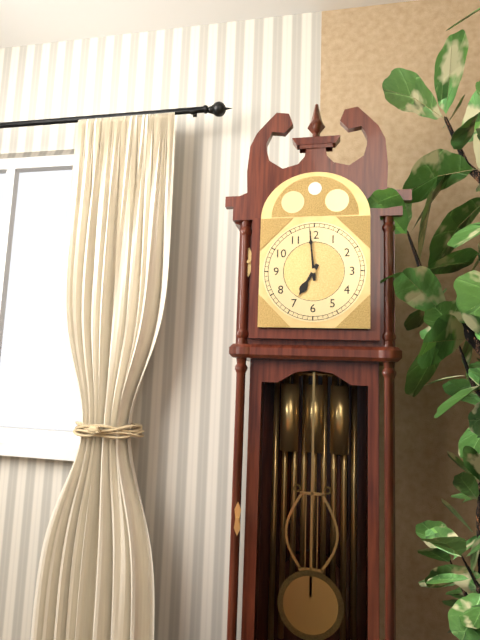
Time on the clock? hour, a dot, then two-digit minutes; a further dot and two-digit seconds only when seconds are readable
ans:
6.59
